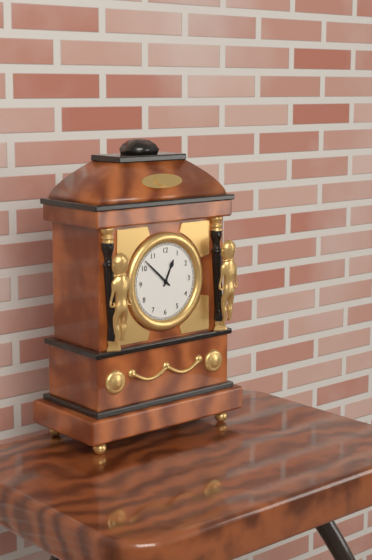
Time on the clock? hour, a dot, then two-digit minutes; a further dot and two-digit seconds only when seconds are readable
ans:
12.52
